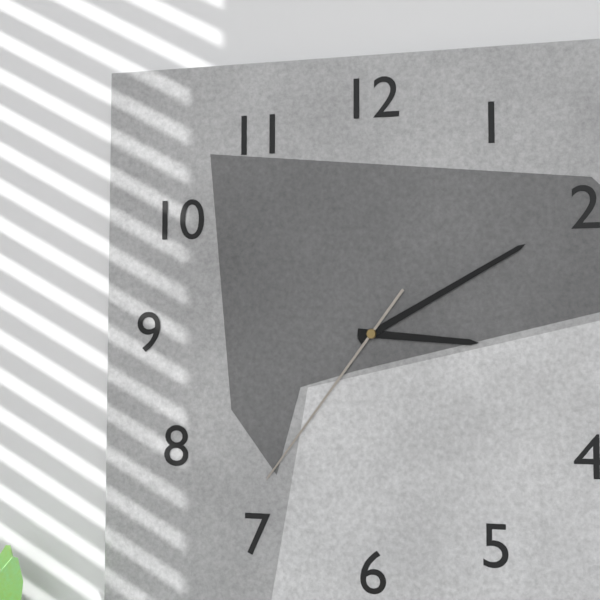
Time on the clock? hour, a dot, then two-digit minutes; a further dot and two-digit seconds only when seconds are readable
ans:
3.10.36
